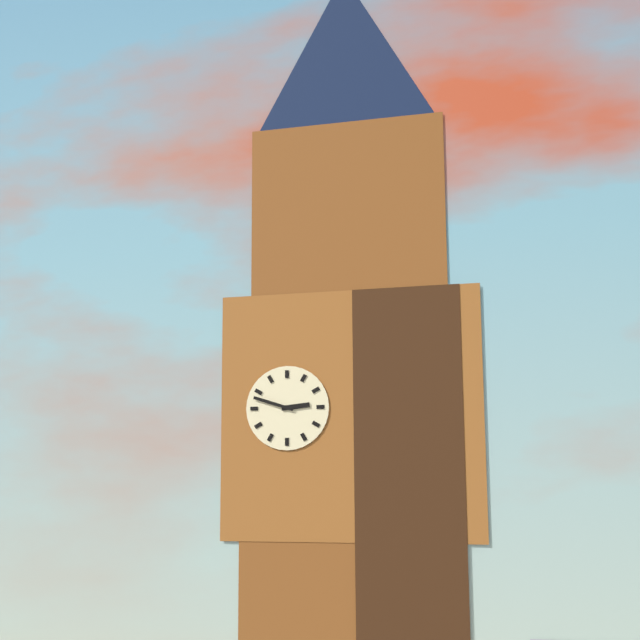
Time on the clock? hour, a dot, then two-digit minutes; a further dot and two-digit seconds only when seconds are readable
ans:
2.48
